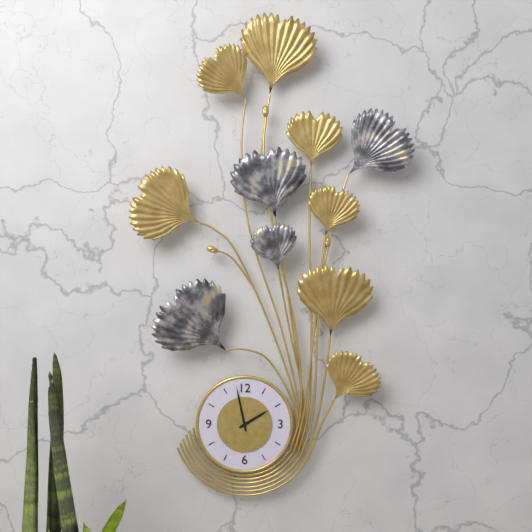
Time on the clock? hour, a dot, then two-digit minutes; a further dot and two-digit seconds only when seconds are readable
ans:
1.58
